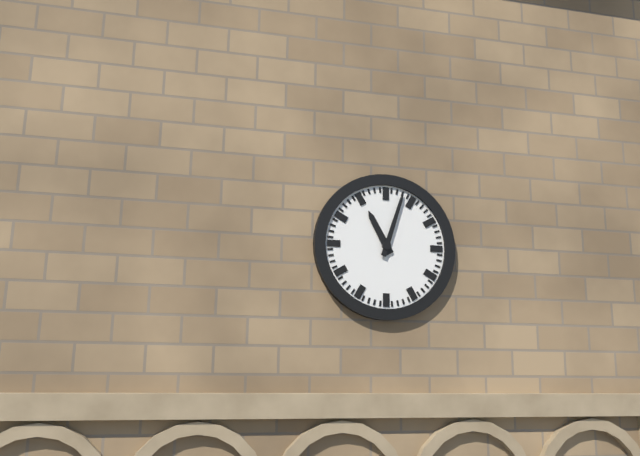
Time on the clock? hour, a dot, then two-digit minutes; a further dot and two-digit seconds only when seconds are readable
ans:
11.03
